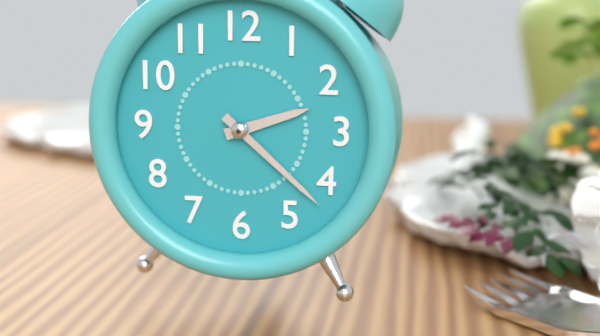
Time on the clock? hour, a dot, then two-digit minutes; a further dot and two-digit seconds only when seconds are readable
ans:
2.22
